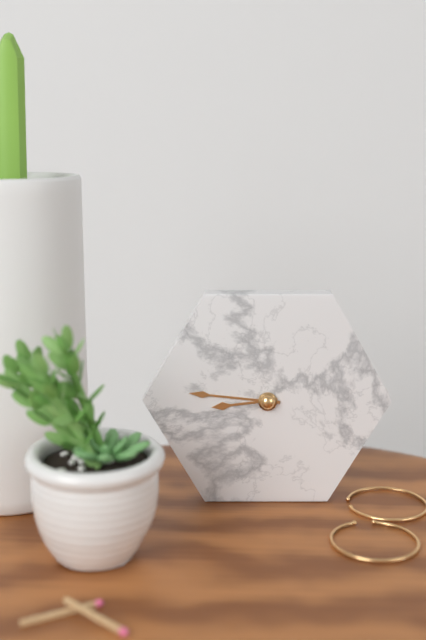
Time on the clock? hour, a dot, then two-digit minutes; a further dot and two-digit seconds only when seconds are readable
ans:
8.46
